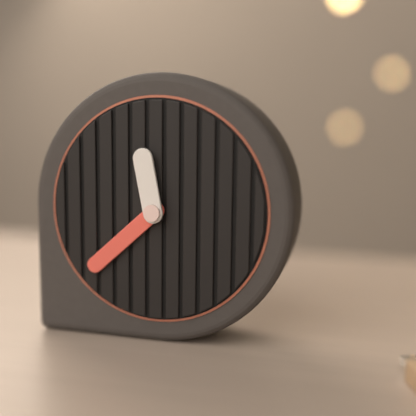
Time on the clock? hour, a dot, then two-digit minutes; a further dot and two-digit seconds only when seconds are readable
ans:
11.38
